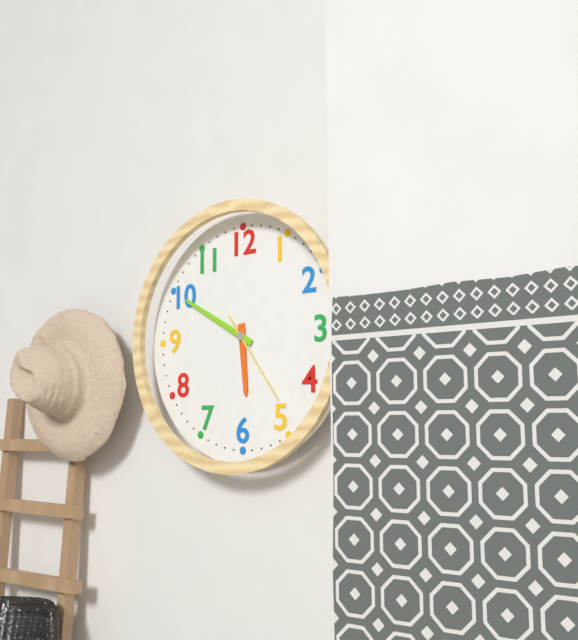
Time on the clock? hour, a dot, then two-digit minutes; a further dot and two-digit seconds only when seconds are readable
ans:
5.50.24
